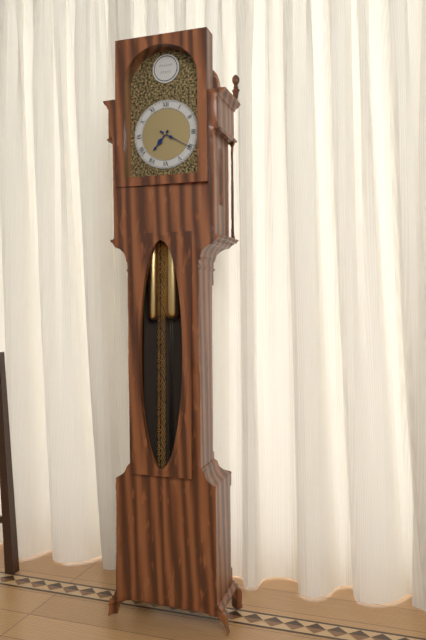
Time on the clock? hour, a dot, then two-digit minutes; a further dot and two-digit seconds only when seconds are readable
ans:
7.20
